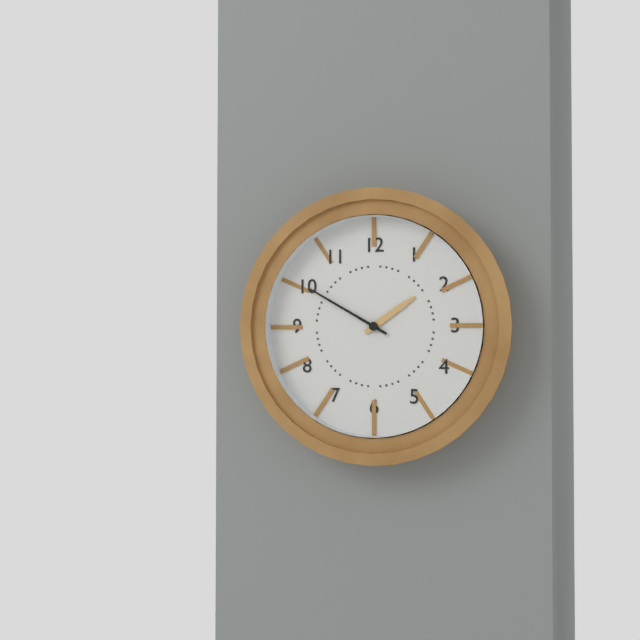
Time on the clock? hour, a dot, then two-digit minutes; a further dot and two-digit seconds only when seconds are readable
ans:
1.50
